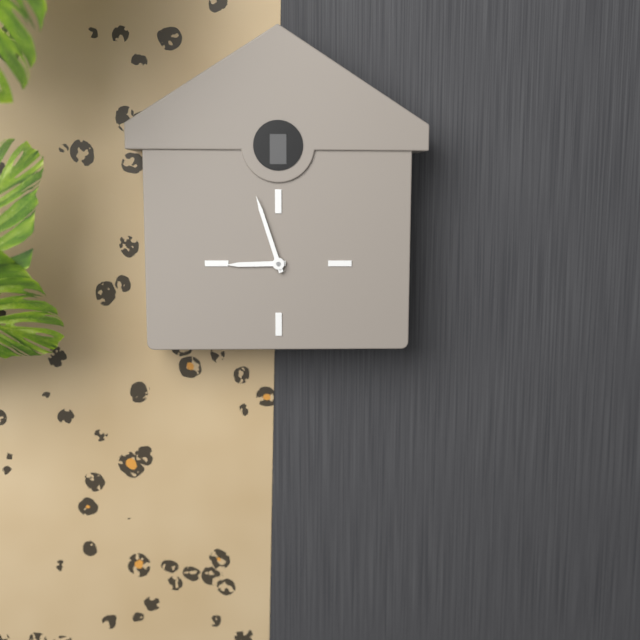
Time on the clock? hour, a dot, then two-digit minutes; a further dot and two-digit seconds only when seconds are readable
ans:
8.57
